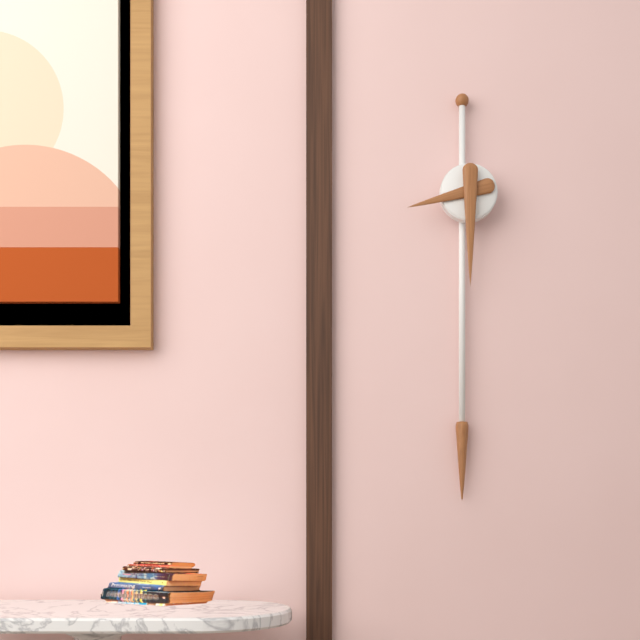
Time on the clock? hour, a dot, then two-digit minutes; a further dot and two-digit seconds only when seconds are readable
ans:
8.30
